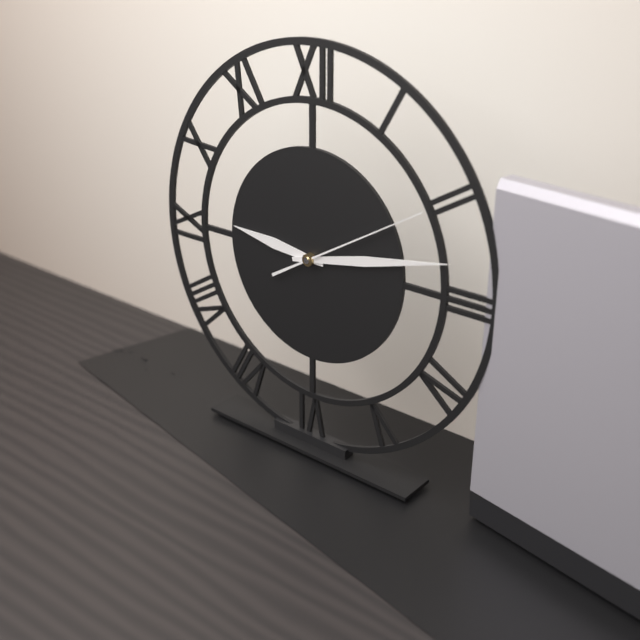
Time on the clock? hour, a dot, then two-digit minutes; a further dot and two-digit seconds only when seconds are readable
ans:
9.13.10
